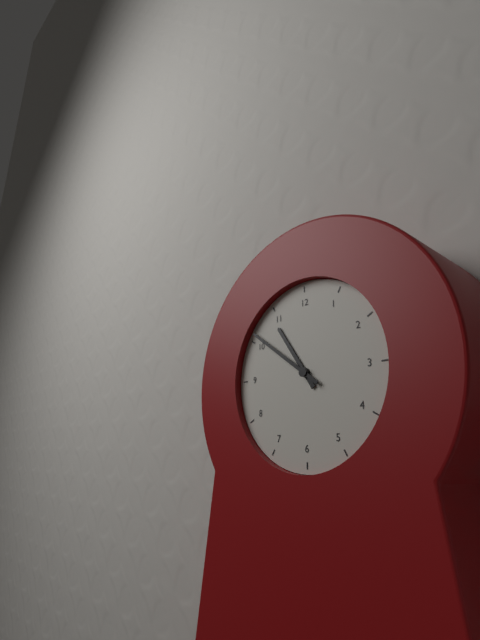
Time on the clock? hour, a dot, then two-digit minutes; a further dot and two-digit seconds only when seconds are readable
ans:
10.51
